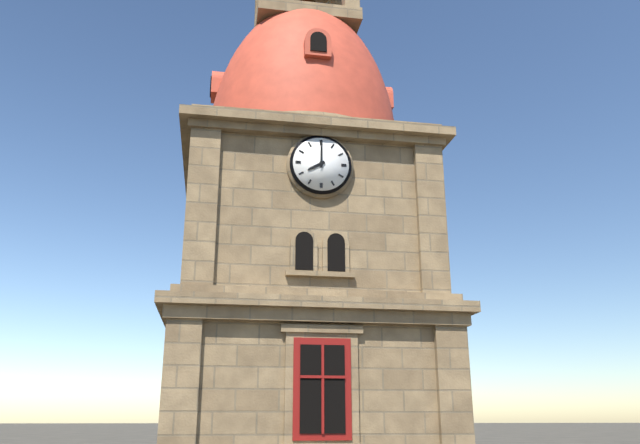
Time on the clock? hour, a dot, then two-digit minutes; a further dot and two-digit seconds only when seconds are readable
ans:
8.00
